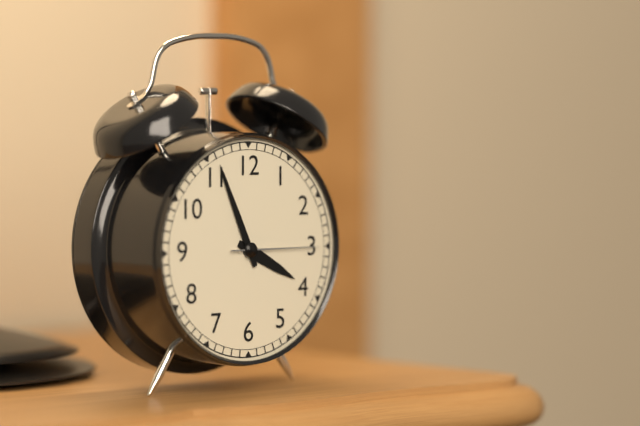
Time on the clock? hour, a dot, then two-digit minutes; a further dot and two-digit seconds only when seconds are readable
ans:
3.56.15
